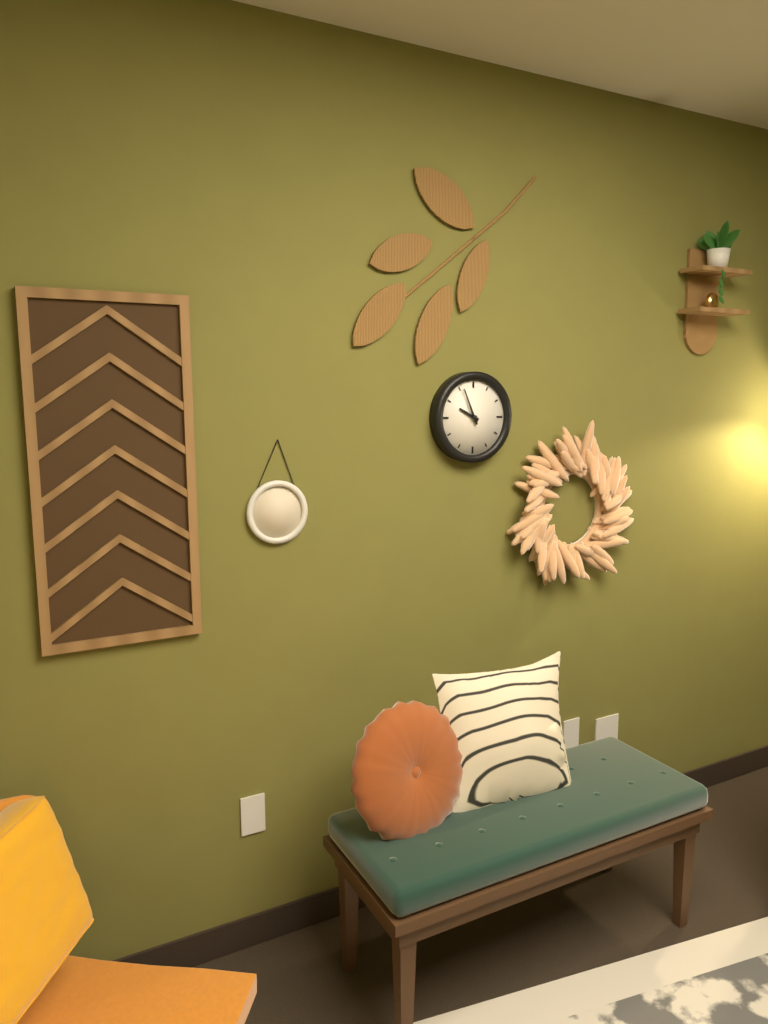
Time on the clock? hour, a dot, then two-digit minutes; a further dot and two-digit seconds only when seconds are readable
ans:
9.56
